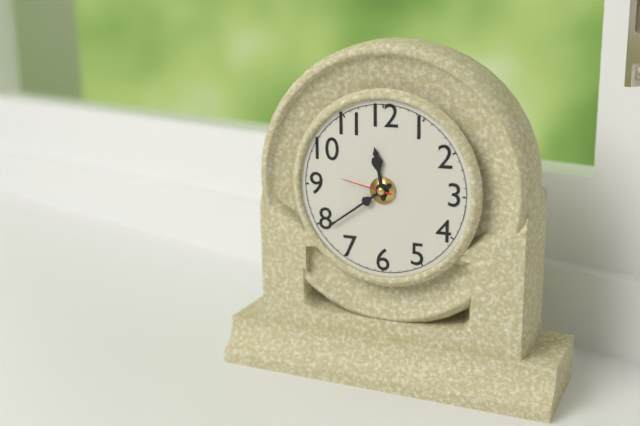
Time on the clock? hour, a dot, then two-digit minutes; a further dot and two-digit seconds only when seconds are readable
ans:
11.39.47
